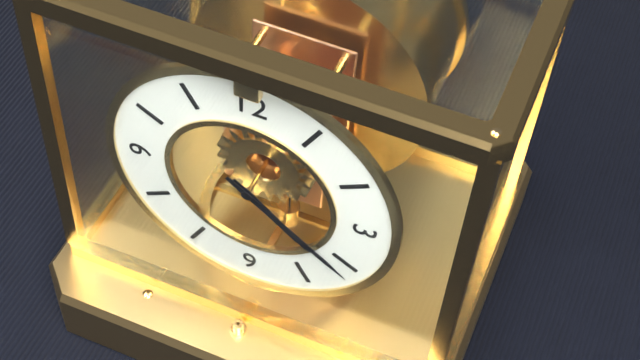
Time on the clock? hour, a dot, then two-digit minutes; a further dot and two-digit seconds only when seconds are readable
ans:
4.21
